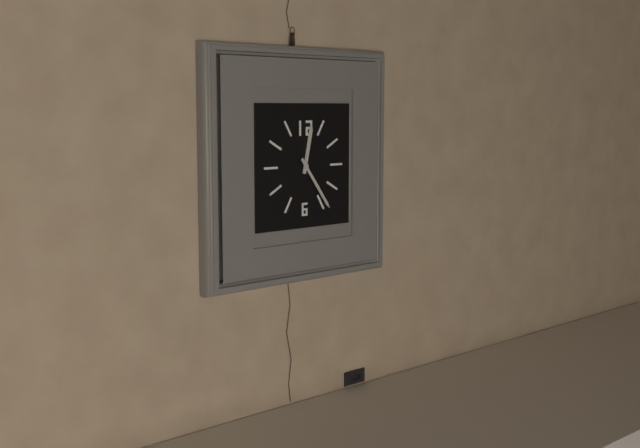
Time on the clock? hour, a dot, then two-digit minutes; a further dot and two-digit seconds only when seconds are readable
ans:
12.24
